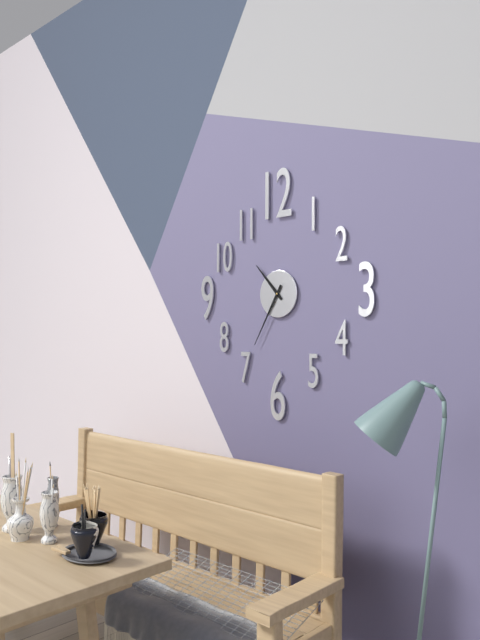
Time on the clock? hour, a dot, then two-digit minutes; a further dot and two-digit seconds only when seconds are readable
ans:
10.35
